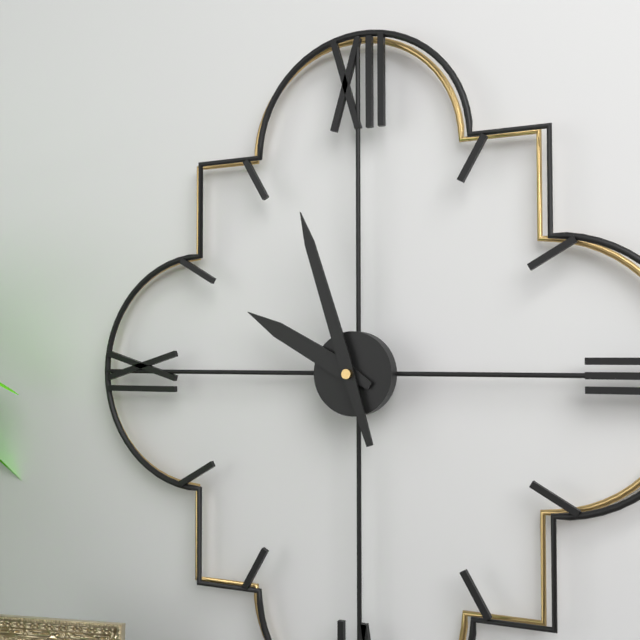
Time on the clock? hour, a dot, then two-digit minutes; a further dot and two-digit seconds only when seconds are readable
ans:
9.57
